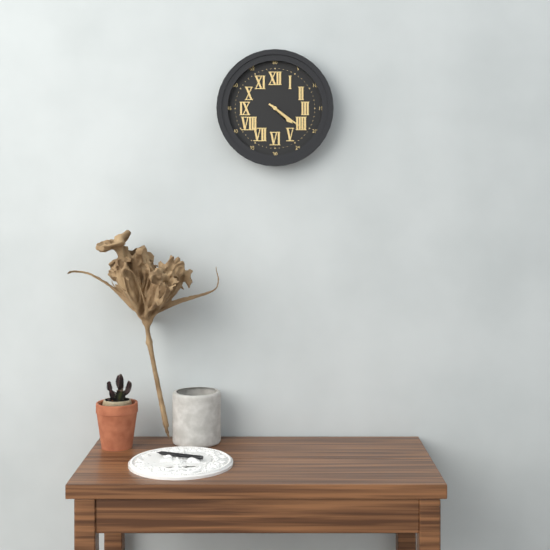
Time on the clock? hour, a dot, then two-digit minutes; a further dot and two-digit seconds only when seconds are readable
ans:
4.21
